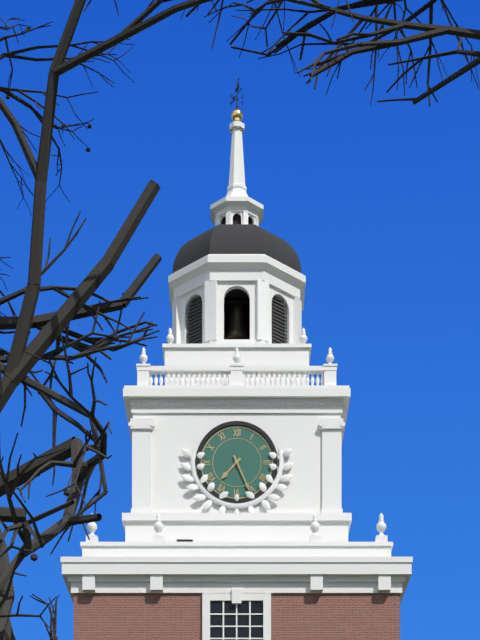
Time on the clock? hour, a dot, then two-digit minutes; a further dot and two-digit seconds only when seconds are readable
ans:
7.26
